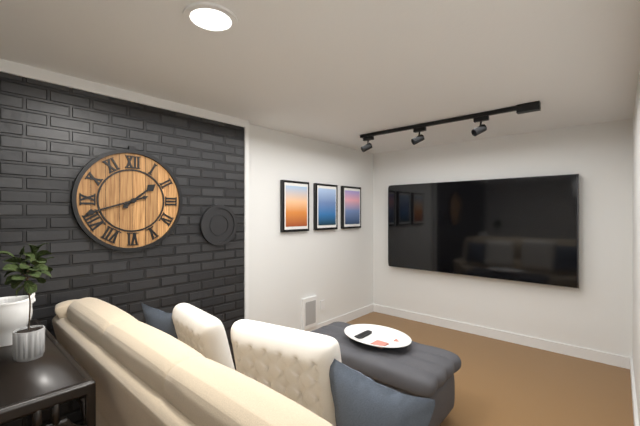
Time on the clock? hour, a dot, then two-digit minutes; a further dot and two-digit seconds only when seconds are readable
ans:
1.42
